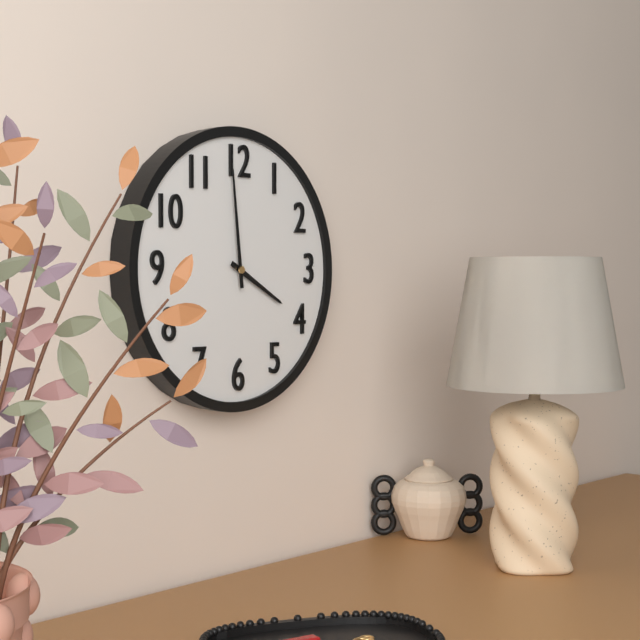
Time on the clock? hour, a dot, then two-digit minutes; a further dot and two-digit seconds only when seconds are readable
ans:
3.59
